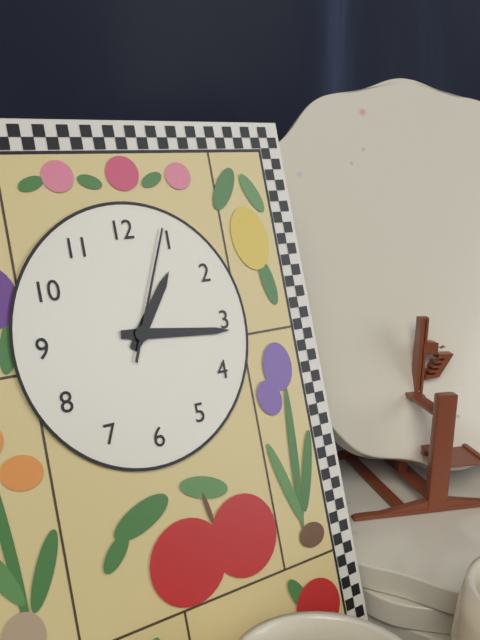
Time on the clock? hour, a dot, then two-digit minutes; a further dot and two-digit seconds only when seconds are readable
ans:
1.16.04
